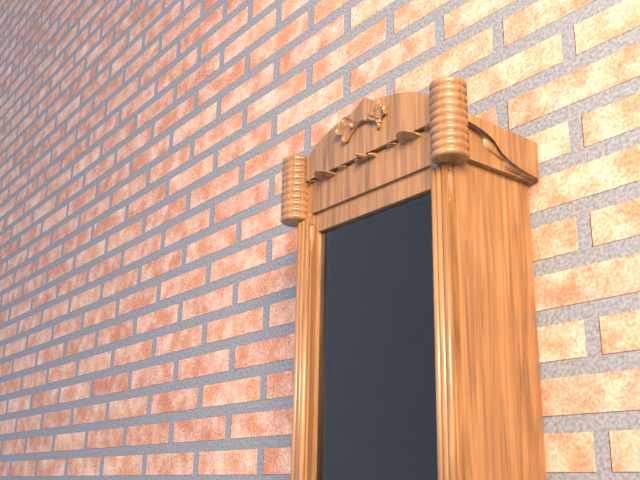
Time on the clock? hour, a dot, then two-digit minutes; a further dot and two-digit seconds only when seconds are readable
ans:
10.07
